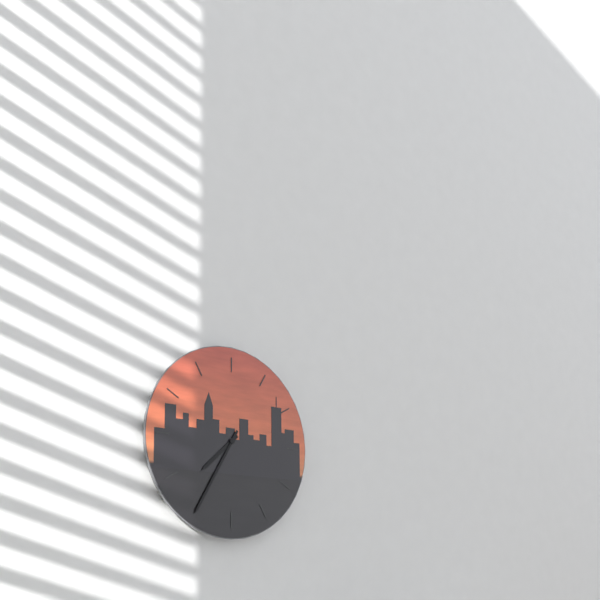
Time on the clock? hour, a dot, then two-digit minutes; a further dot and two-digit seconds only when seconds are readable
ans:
7.35
